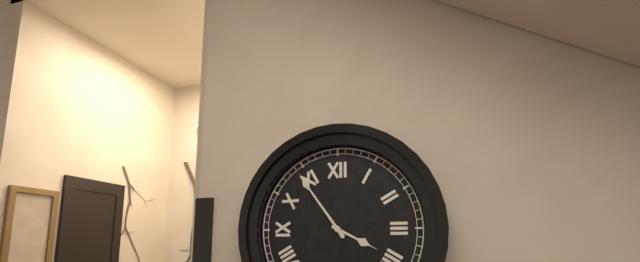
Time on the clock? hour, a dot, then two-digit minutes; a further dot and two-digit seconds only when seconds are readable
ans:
3.54
